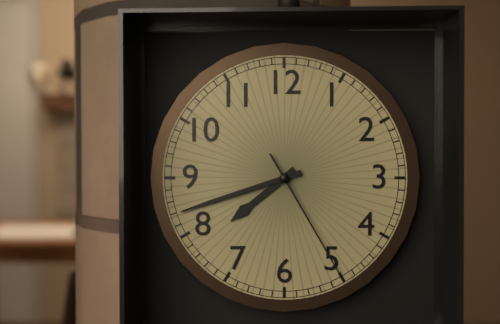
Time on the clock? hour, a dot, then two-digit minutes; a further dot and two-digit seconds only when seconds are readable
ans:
7.42.25
